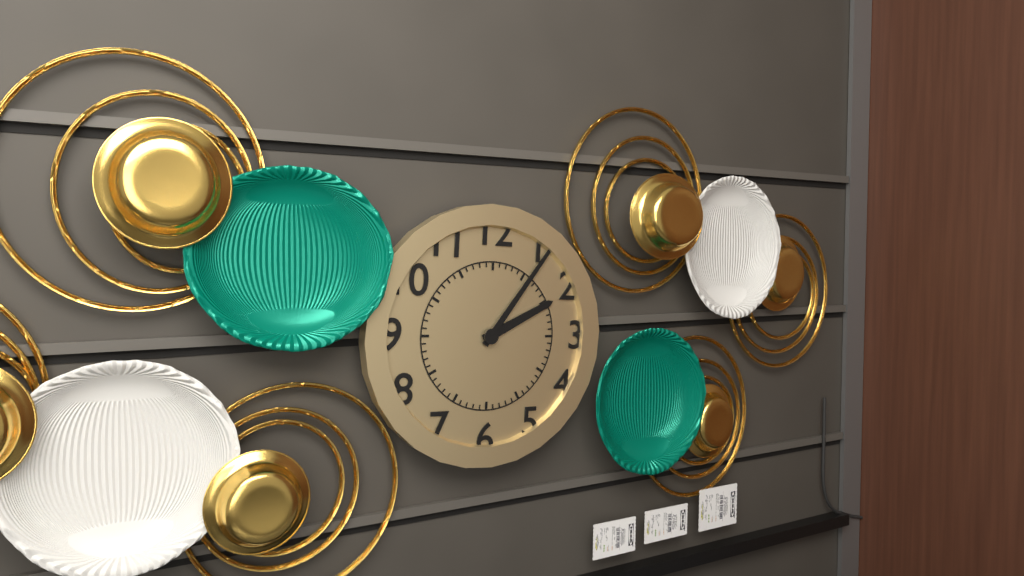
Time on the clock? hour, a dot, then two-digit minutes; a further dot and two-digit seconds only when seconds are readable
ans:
2.06
